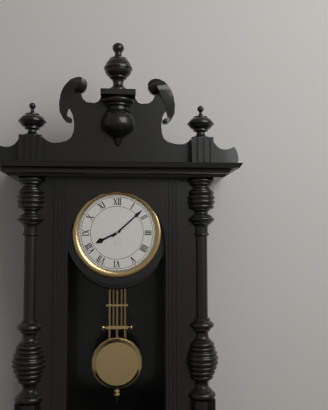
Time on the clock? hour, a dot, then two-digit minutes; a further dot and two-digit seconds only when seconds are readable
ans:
8.08
